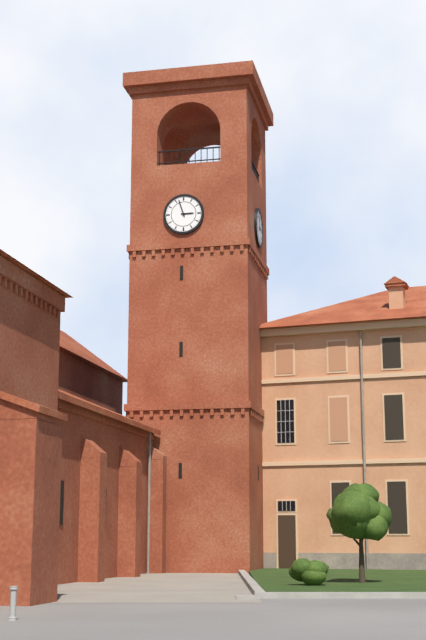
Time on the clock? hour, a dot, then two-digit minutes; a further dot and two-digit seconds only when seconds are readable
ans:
2.57
